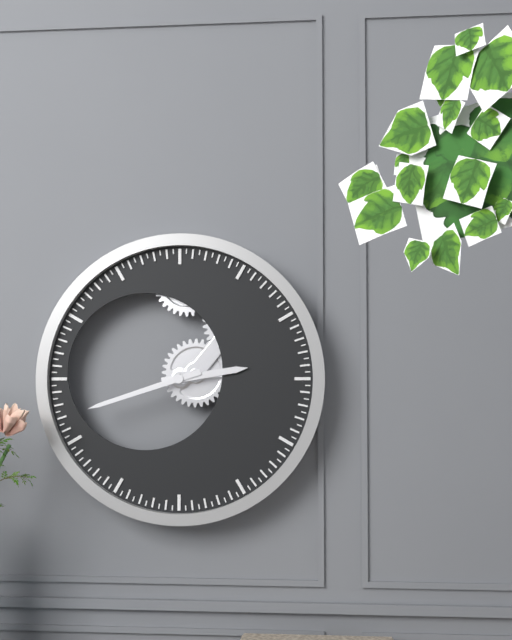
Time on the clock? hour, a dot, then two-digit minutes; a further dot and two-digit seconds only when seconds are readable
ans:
2.42
